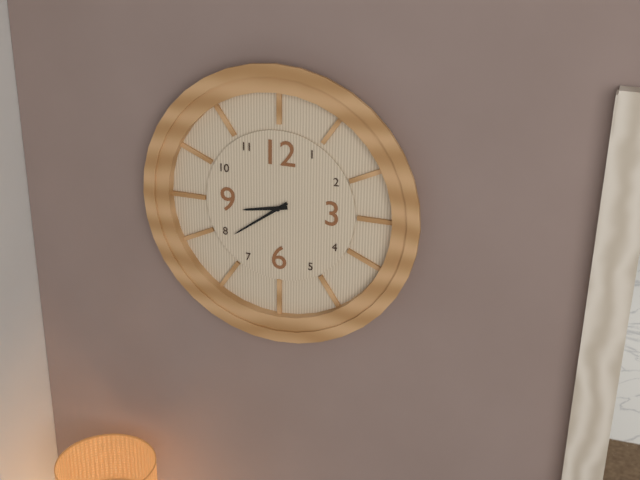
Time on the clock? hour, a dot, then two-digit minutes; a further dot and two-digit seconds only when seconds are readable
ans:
8.39
